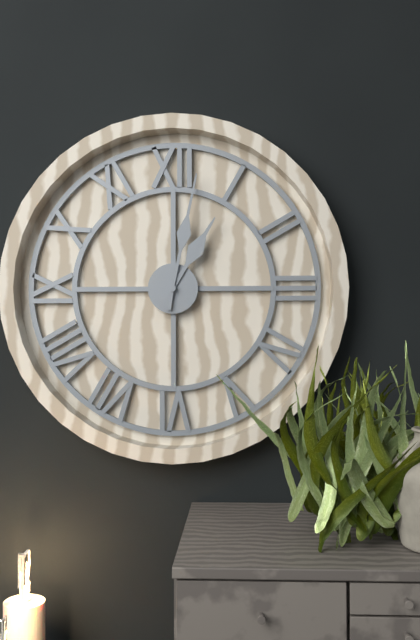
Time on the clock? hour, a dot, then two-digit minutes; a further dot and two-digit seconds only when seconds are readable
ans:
1.02
